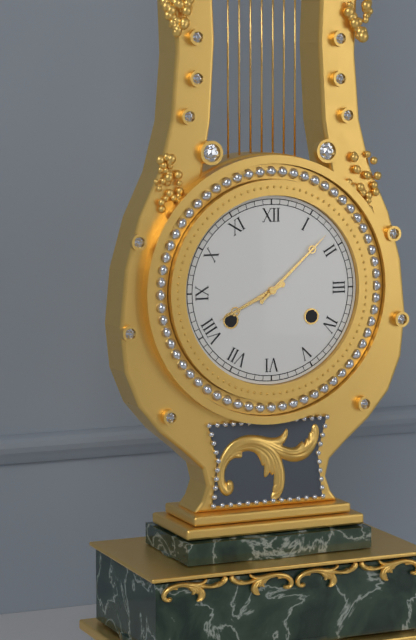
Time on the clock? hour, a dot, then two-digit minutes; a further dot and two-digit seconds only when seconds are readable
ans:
8.08
